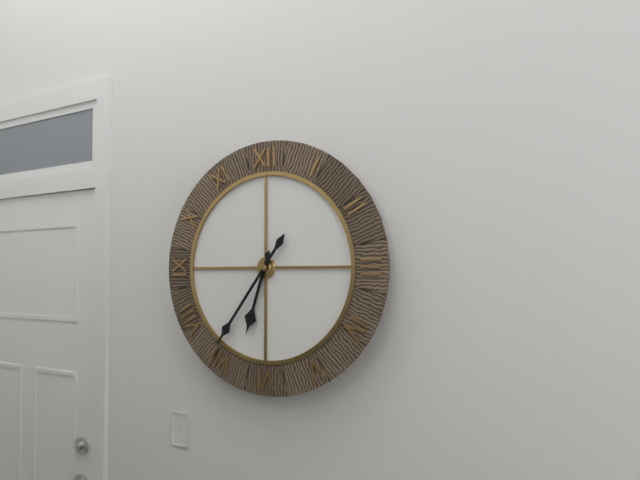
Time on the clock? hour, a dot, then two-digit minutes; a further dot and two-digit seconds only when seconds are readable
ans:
6.36
